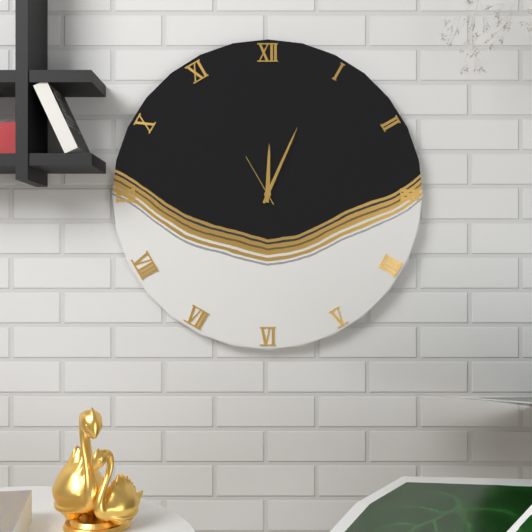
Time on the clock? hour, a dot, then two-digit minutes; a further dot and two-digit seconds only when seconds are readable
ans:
12.04.55
